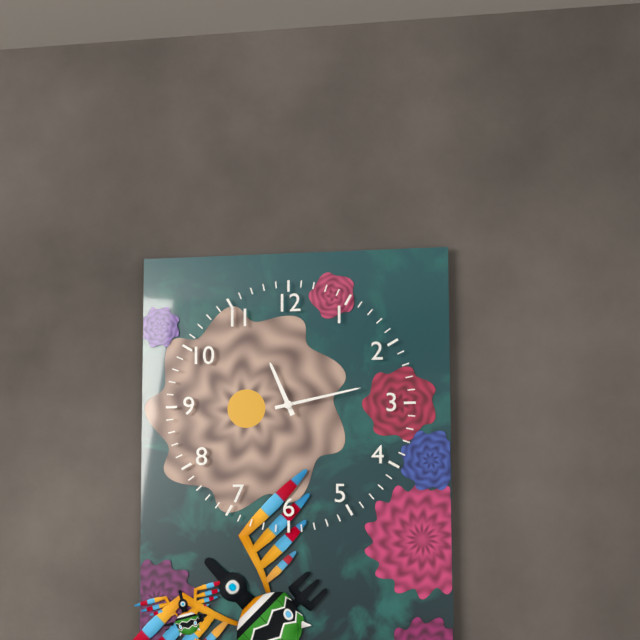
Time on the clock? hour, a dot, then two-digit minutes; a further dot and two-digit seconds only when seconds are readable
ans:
11.13
